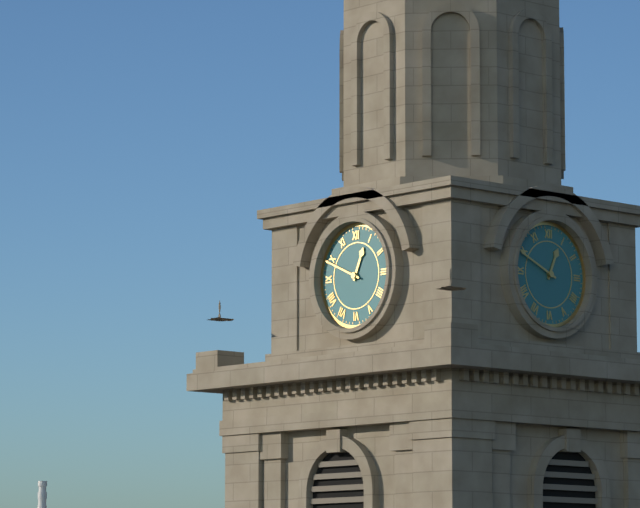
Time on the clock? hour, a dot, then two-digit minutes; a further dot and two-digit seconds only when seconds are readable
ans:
12.49
